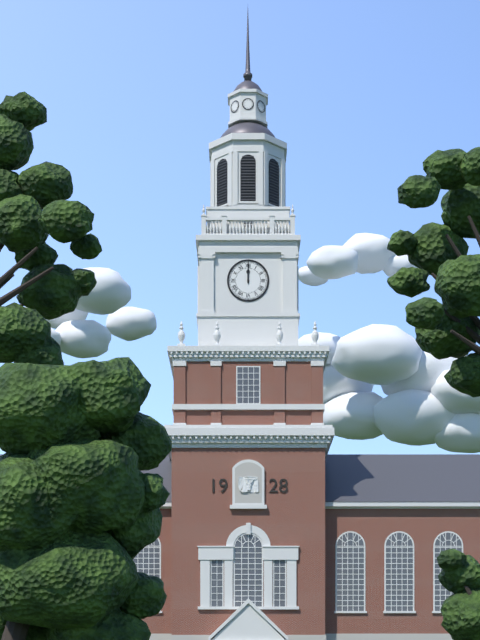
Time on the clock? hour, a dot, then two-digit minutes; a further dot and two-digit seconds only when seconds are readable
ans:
12.00
